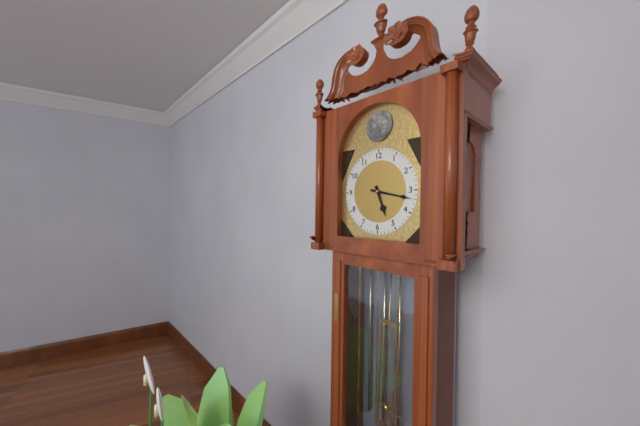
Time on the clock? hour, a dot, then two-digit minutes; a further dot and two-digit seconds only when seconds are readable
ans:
5.17
